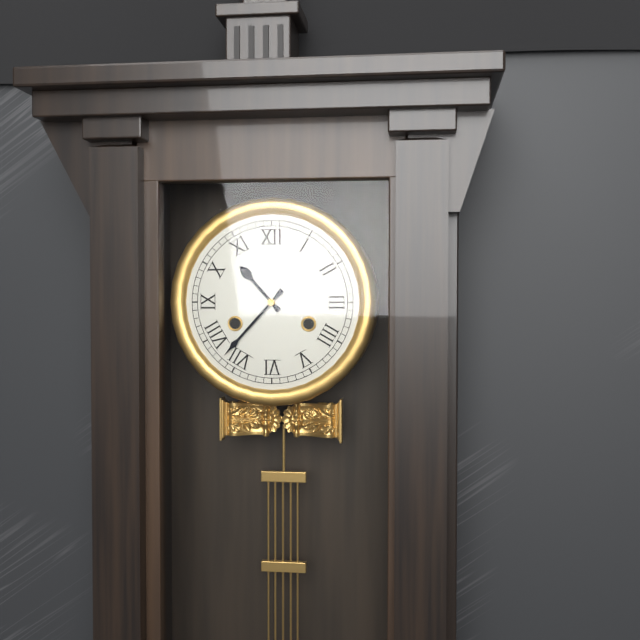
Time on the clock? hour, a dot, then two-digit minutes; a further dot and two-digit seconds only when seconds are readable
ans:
10.37
